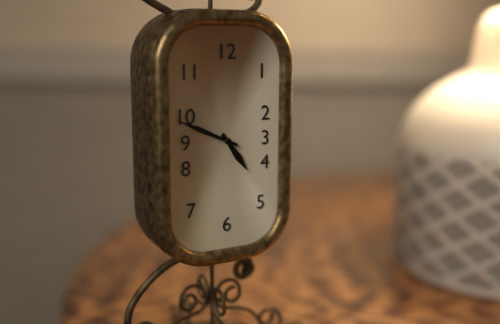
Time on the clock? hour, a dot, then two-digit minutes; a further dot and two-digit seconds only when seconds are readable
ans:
4.49
